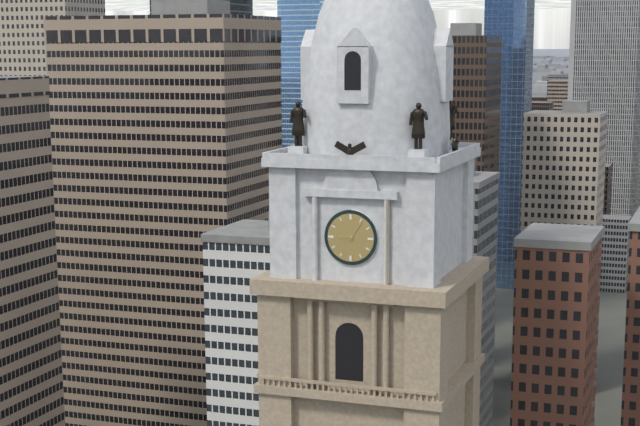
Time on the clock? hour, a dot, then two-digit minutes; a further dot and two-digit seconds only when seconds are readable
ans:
9.06
